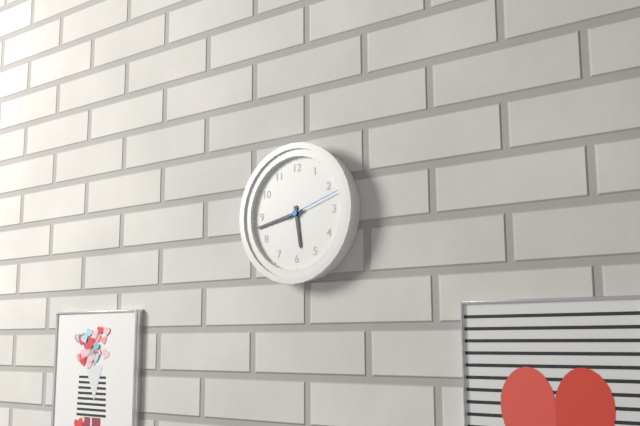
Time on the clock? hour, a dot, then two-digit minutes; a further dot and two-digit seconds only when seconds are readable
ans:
5.43.12
